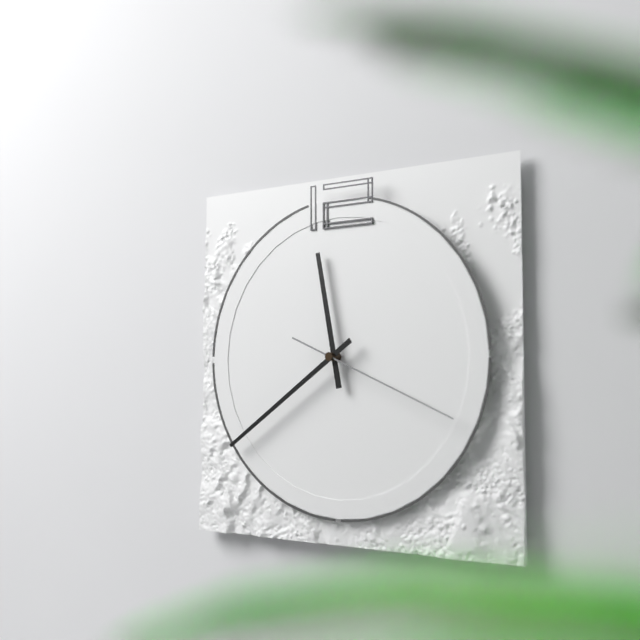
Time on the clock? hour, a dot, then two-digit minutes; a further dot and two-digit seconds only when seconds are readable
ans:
11.39.19
